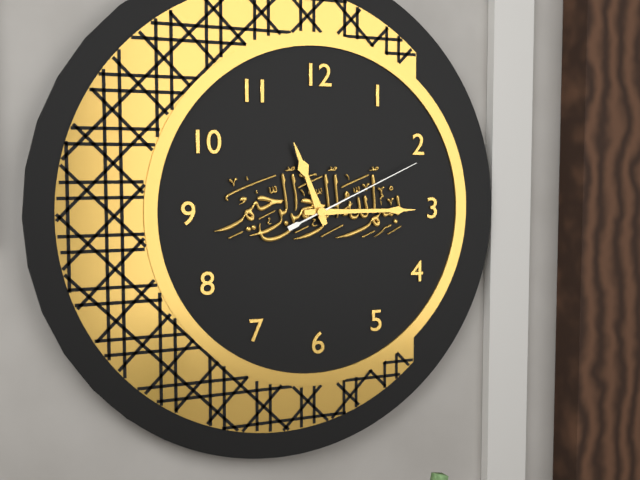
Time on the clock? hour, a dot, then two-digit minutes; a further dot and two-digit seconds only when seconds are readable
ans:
11.15.11
